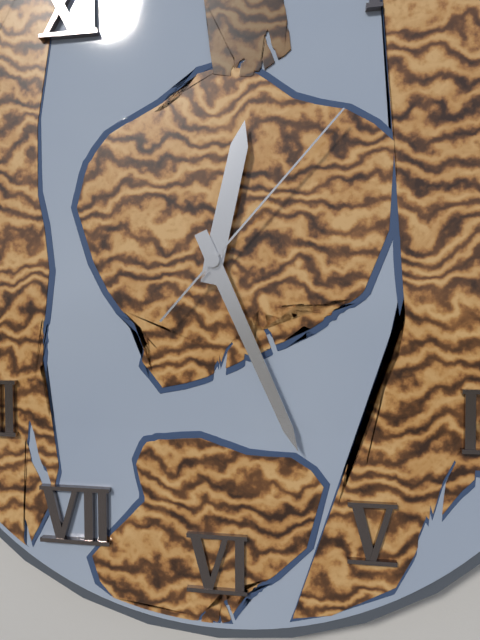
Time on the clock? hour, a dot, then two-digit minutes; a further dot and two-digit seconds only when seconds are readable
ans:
12.26.07
